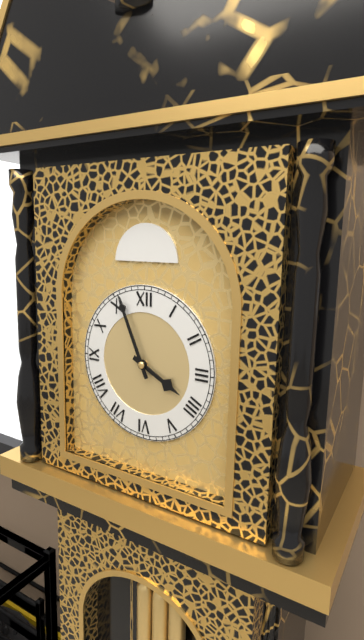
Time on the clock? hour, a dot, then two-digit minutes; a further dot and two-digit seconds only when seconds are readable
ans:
3.56
